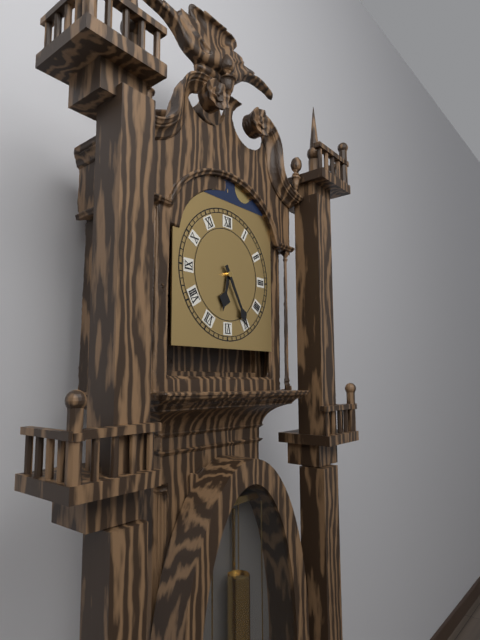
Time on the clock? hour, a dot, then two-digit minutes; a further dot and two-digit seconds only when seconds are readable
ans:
6.25
